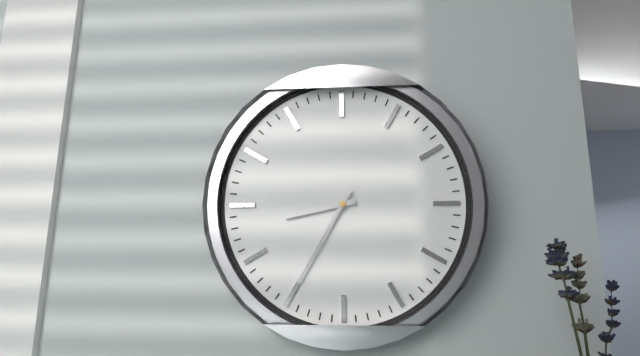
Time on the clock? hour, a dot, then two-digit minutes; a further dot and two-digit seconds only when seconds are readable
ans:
8.35
